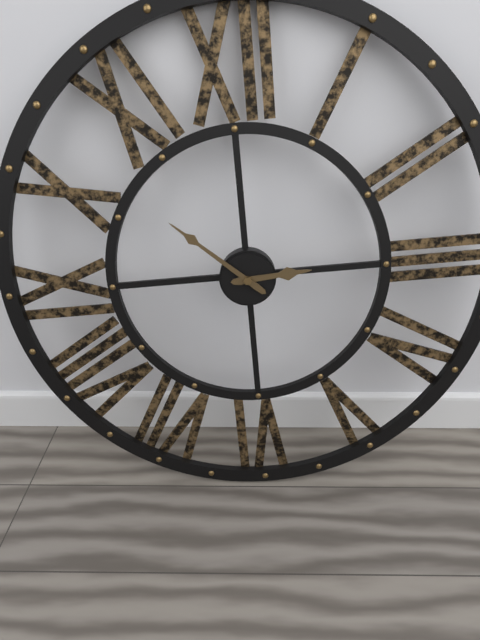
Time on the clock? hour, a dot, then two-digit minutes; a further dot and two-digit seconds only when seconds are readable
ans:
2.52
